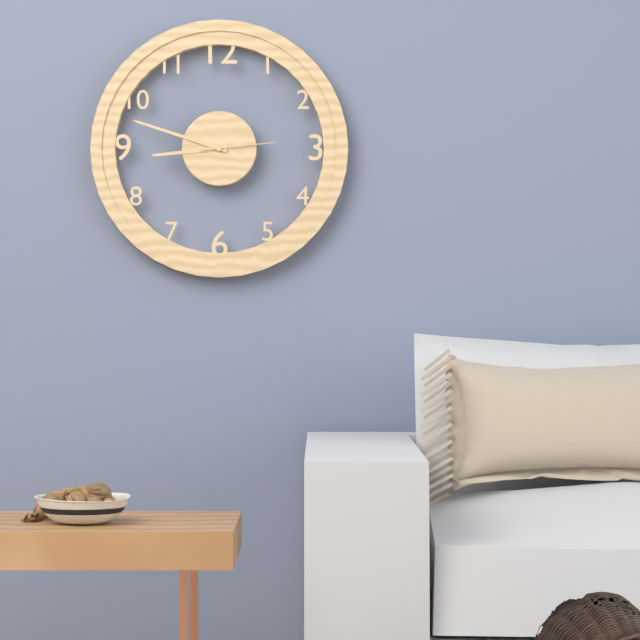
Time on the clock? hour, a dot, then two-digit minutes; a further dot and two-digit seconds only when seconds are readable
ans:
8.48.14
